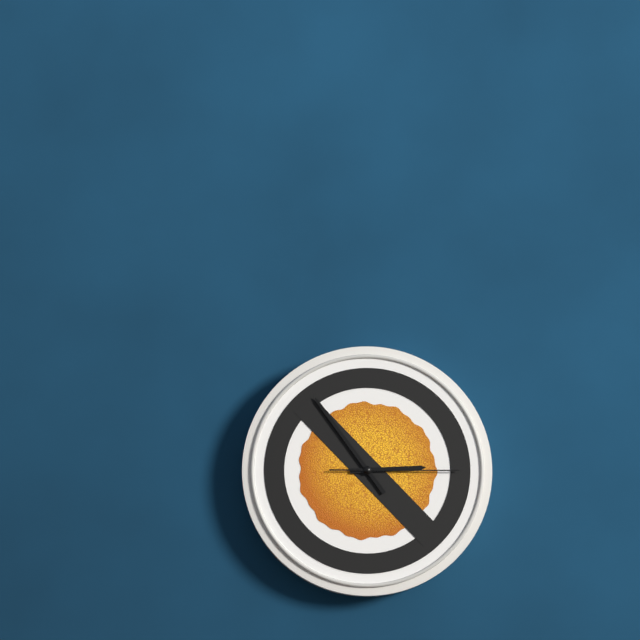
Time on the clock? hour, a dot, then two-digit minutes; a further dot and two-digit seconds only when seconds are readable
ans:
2.54.15
